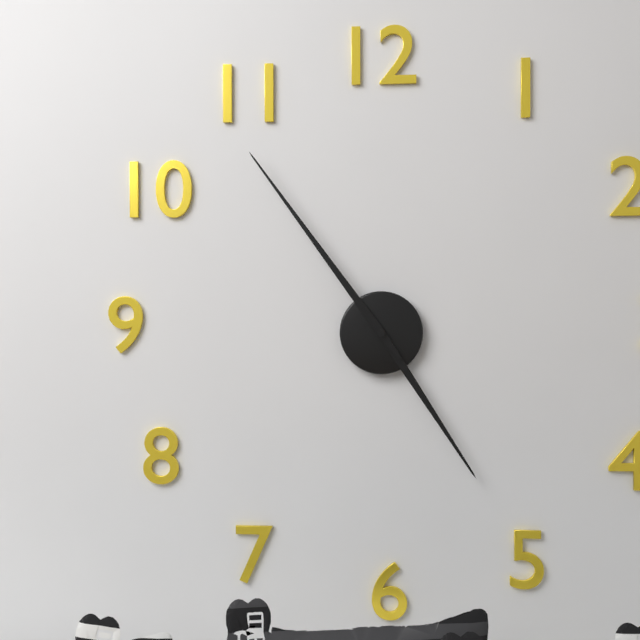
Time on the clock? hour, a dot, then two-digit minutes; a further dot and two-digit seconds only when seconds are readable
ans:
4.54
